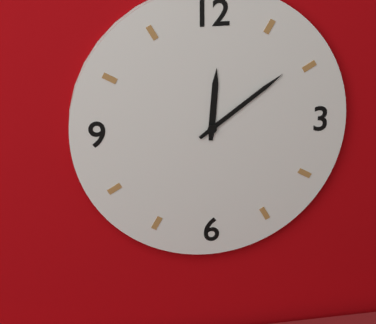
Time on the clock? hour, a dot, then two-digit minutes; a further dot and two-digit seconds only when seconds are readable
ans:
12.09
